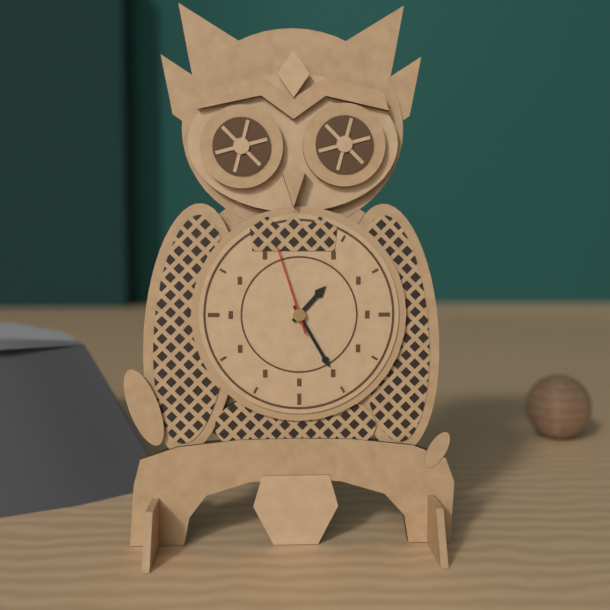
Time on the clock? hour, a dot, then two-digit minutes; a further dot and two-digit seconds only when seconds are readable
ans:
1.25.57
